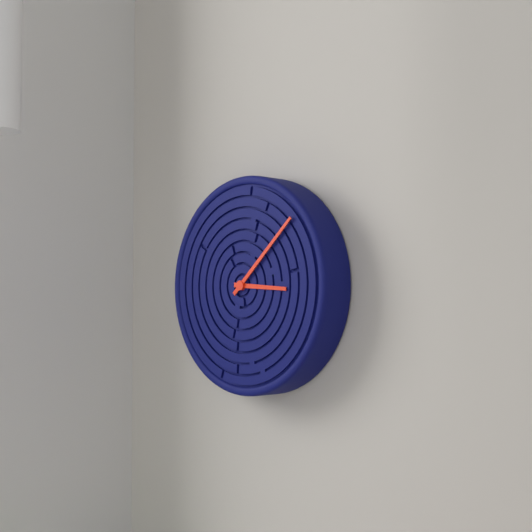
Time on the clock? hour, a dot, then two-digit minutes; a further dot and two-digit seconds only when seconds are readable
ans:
3.08
